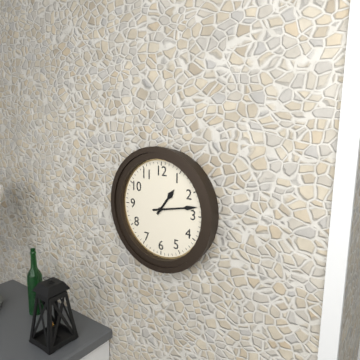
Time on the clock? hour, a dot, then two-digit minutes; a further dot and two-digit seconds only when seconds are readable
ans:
1.13
